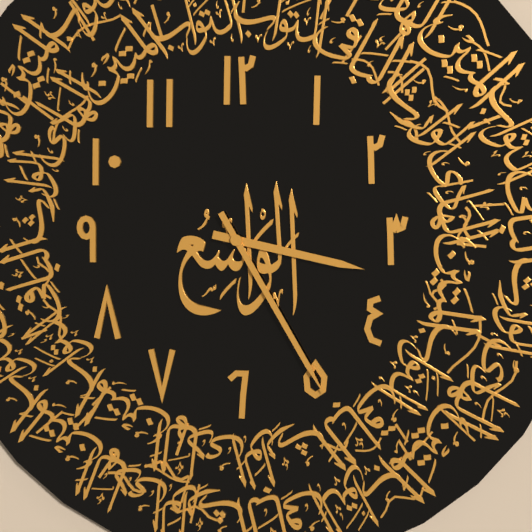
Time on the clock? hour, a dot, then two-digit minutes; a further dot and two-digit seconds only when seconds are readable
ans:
3.25
